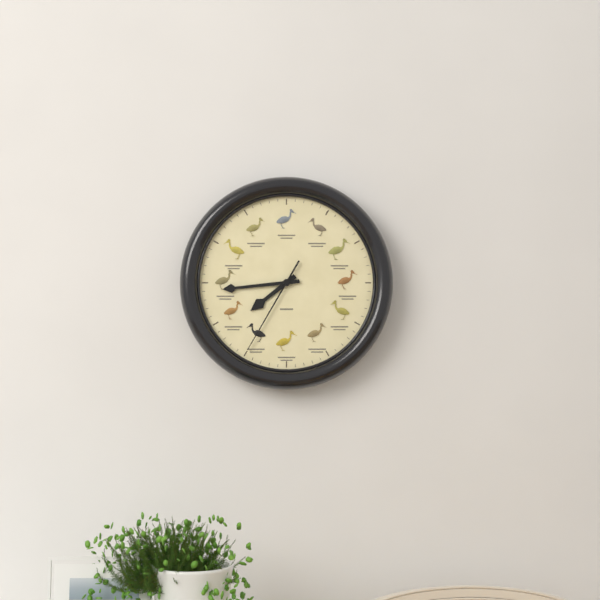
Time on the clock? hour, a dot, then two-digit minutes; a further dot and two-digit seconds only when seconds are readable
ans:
7.44.35
